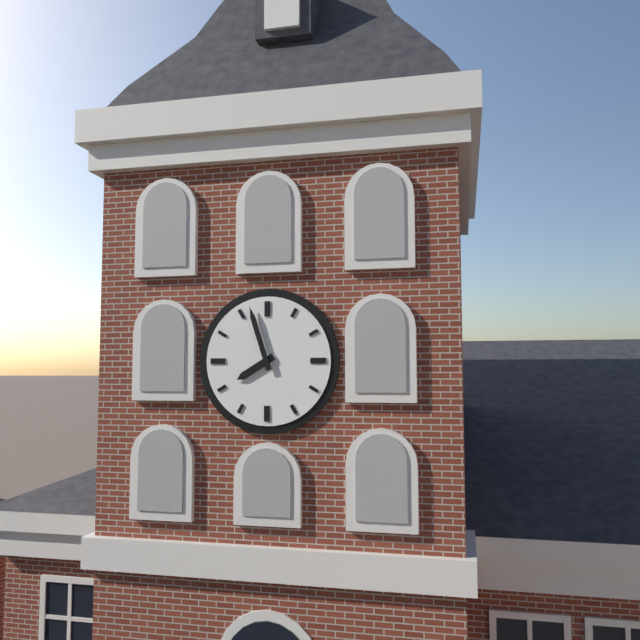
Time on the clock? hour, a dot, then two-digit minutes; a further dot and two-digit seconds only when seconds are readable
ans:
7.57
